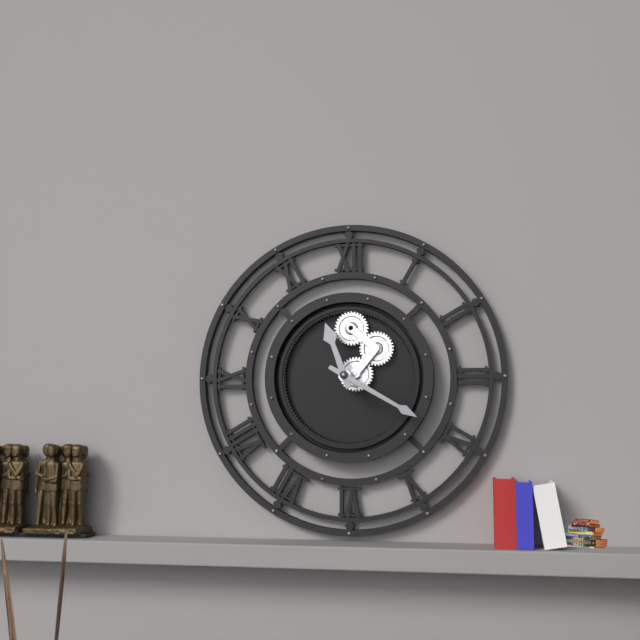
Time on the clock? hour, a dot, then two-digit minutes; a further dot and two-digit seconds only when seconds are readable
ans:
11.20
